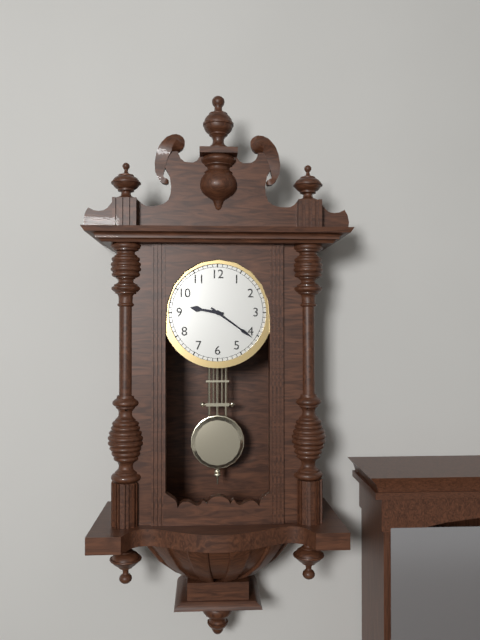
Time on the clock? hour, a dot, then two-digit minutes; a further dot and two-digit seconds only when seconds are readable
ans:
9.21
